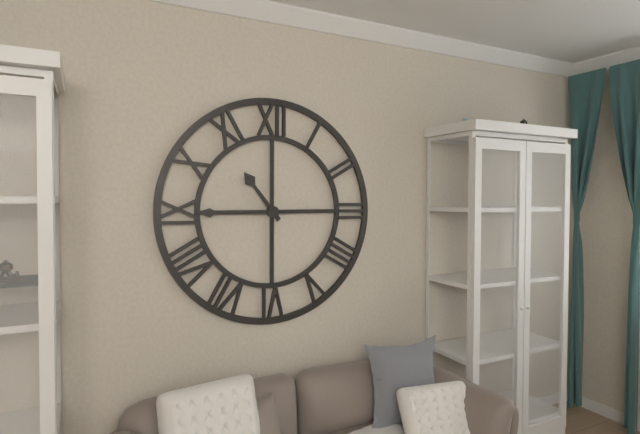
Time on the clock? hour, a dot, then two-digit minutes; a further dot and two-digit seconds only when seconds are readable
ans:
10.45
